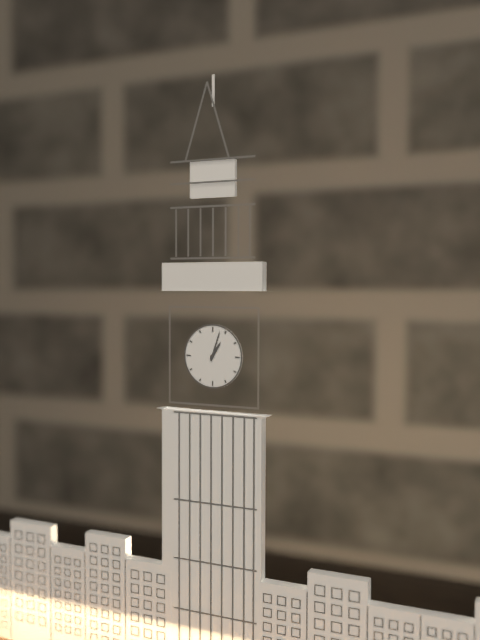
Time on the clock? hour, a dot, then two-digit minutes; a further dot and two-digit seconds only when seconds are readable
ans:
1.03
